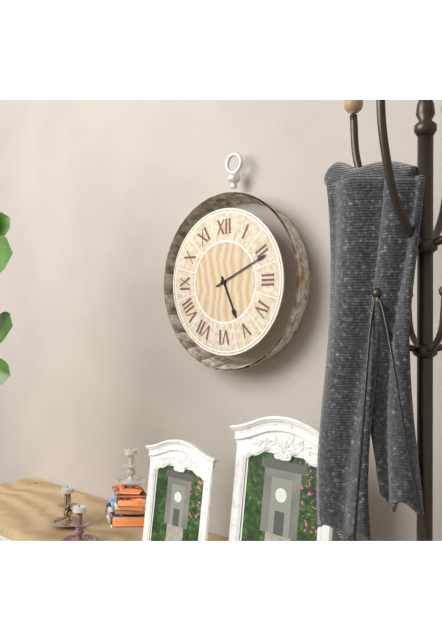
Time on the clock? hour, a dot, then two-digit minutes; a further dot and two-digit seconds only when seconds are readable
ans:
5.11
